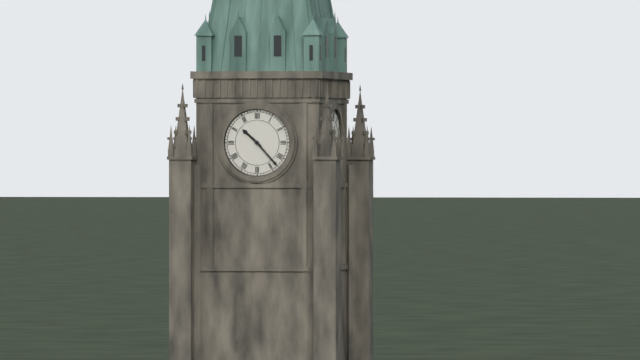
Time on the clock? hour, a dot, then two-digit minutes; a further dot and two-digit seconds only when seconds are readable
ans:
10.23
